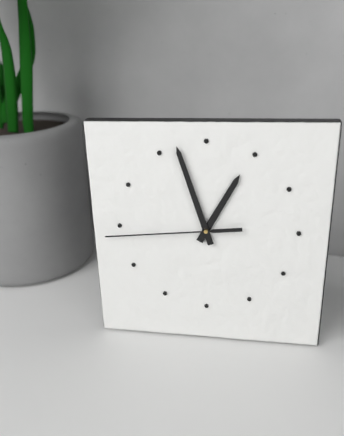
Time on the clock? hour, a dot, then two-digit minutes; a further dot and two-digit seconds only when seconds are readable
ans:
12.57.44
